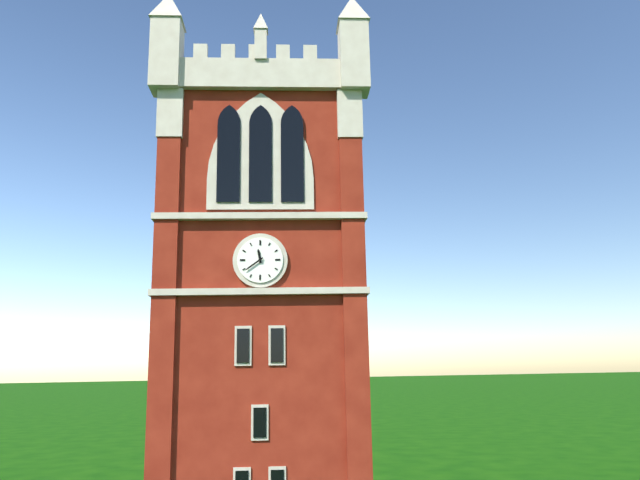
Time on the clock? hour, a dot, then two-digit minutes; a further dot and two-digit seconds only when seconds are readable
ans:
11.39
